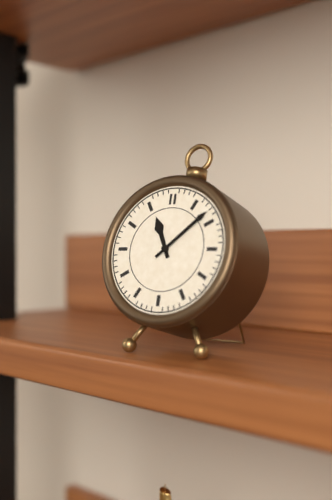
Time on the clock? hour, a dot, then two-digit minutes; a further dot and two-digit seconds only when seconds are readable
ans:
11.08
